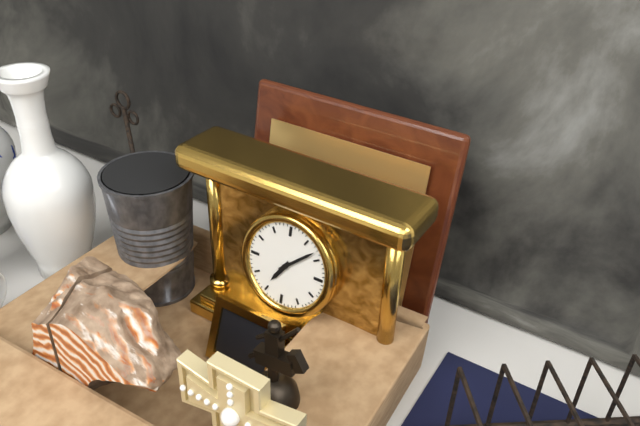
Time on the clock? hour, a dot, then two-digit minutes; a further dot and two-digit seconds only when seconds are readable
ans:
7.08
